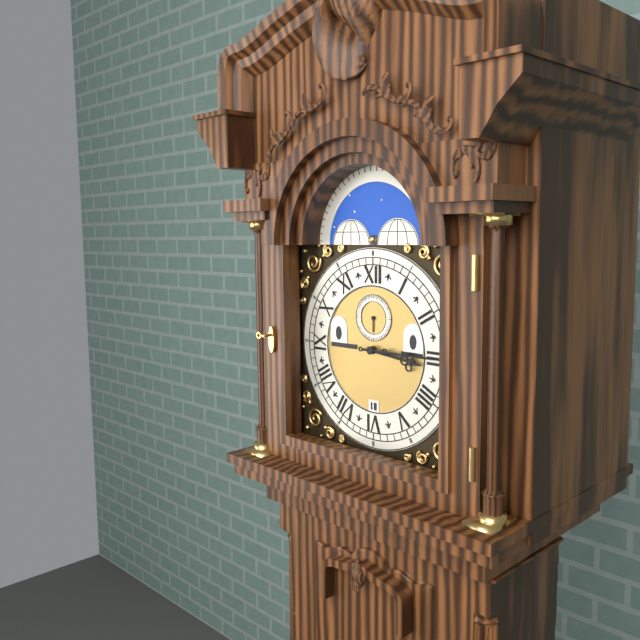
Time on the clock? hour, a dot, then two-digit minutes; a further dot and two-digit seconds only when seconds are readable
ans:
3.15
